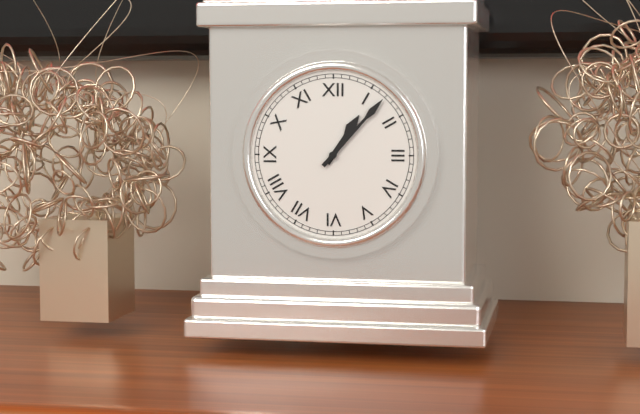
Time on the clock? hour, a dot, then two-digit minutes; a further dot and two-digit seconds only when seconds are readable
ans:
1.07
